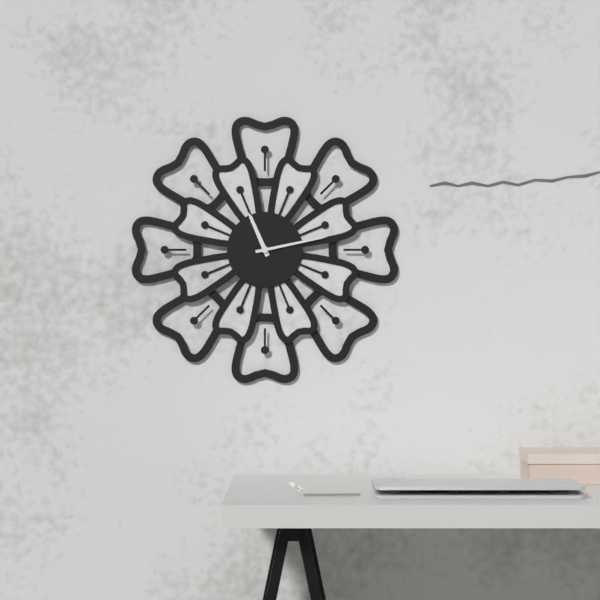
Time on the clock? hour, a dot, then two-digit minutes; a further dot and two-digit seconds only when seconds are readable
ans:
11.13
